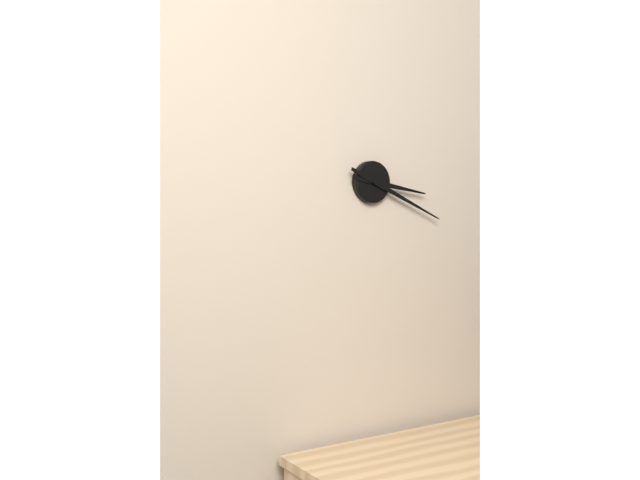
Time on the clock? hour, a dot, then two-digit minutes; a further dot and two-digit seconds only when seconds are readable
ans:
3.19
